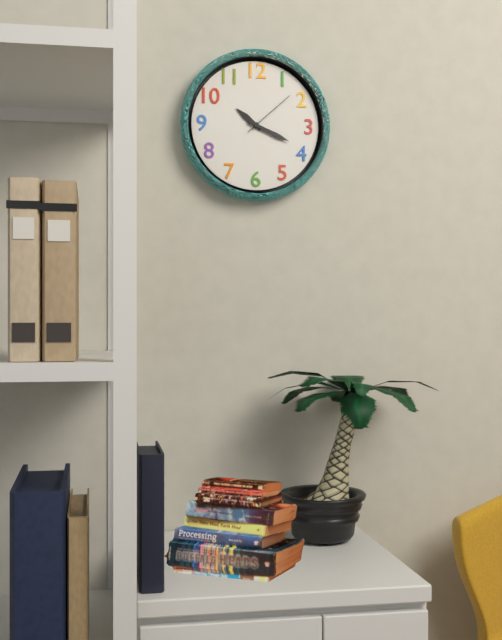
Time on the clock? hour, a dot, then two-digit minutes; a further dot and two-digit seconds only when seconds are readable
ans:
10.19.08
